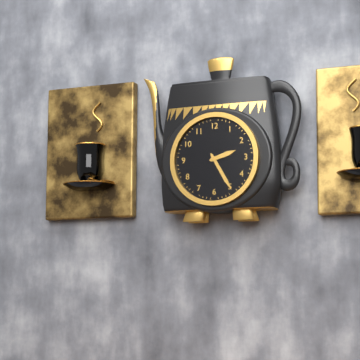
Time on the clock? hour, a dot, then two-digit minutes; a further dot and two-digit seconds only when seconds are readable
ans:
2.25
